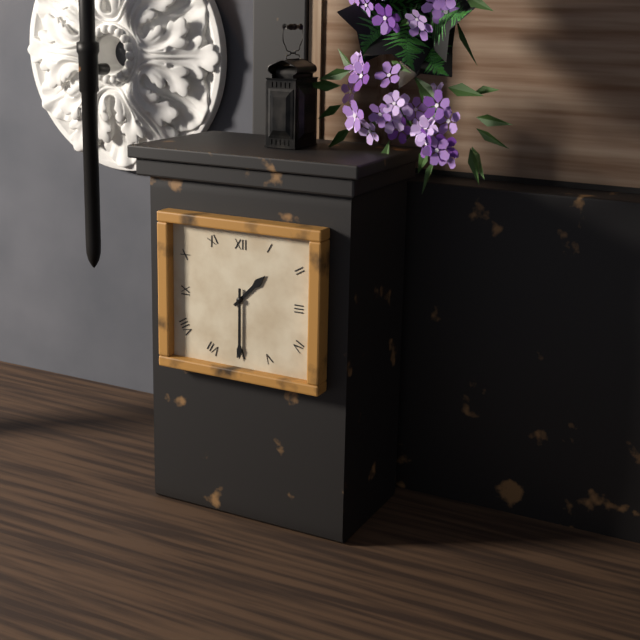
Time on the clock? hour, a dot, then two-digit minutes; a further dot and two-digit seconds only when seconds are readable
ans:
1.30
